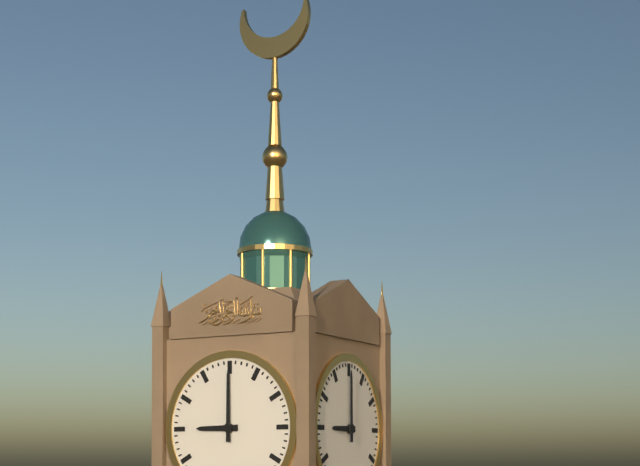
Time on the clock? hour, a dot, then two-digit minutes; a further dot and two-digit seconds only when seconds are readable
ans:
9.00
